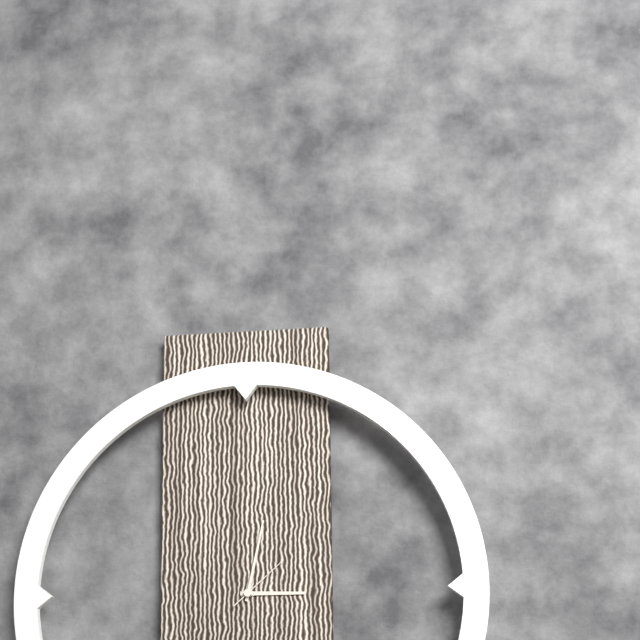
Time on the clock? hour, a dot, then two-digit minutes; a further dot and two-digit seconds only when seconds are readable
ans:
3.02.08
